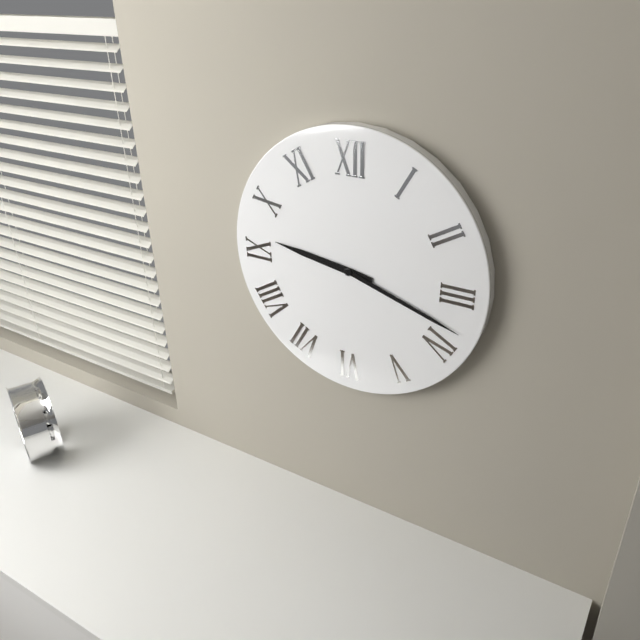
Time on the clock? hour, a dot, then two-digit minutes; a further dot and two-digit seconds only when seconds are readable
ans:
9.18
